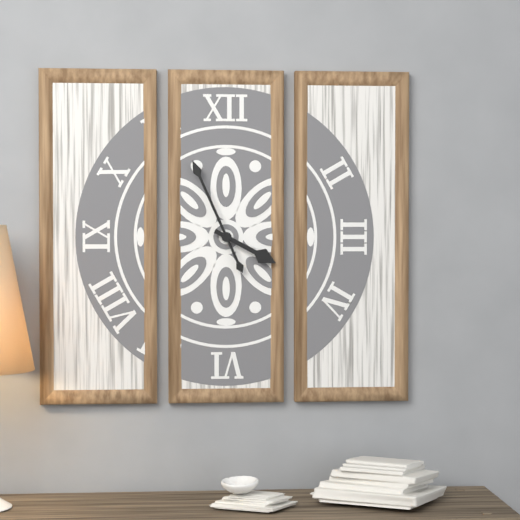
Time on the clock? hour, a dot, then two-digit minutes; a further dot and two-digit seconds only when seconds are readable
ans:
3.56
